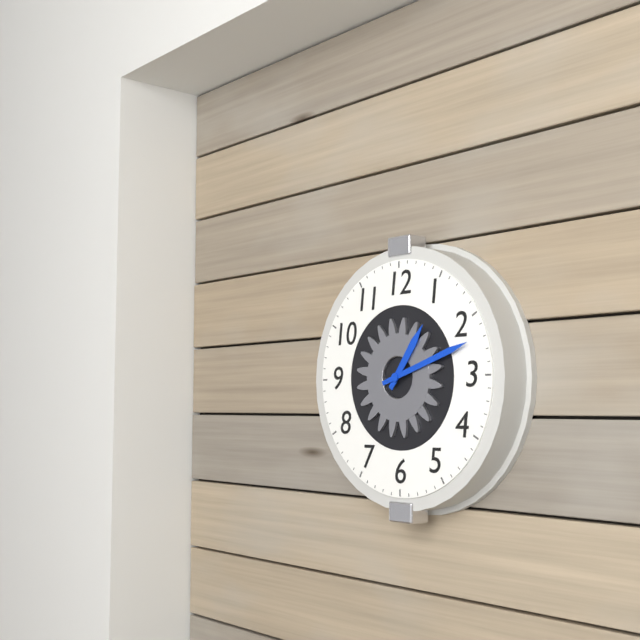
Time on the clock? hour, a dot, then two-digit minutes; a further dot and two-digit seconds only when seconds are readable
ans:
1.12
